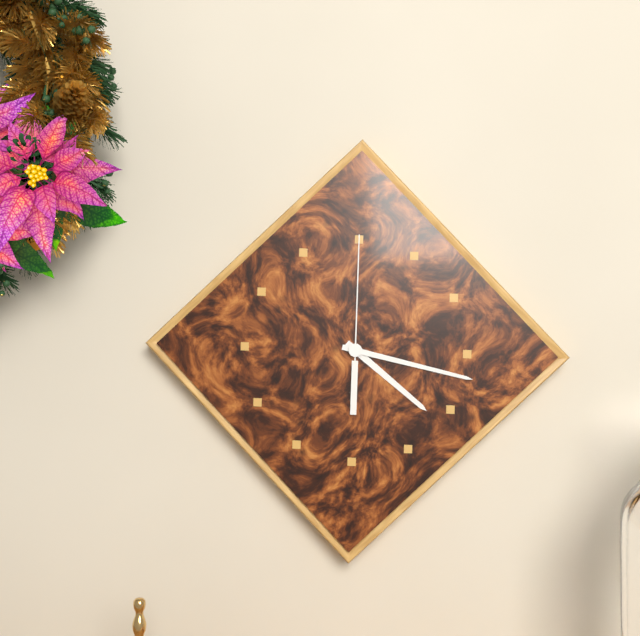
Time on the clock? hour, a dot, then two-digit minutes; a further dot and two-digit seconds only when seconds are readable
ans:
4.17.00
